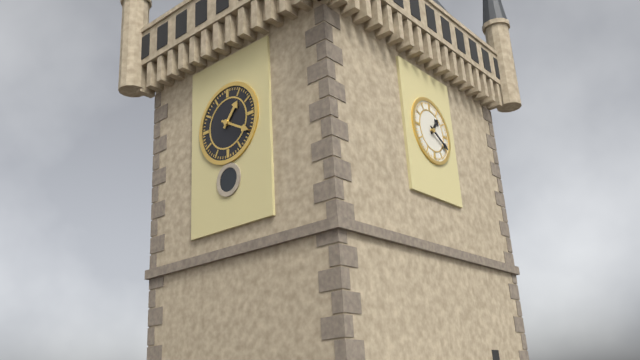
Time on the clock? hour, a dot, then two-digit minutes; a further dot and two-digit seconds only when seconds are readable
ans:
1.20
